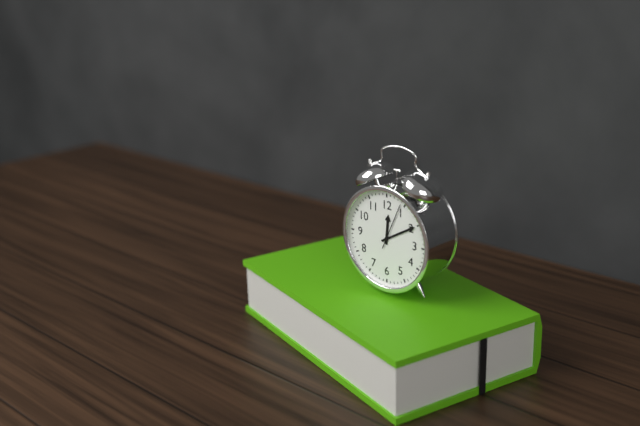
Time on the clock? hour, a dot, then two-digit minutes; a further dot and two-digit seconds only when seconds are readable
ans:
12.10
